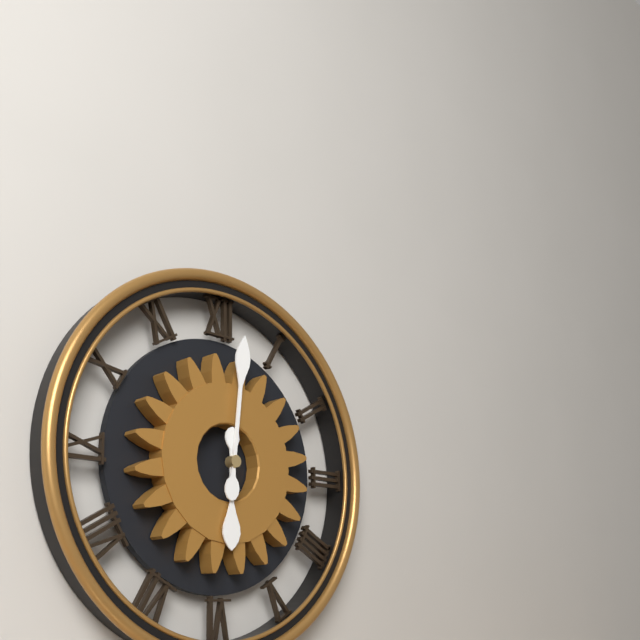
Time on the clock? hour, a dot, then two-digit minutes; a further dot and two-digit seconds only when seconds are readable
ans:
6.01
